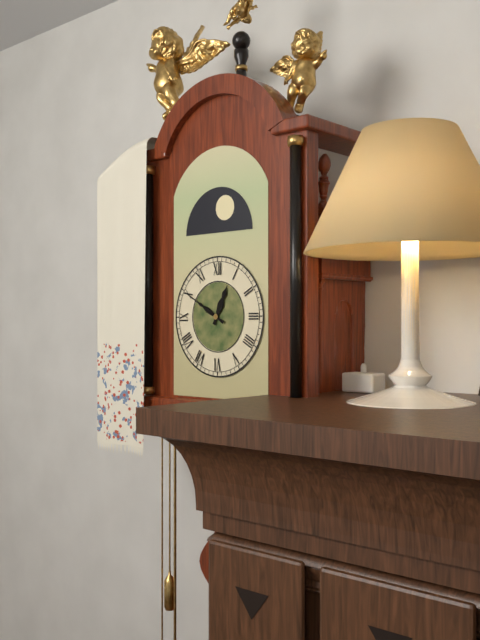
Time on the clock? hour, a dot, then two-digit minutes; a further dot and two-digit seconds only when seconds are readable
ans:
12.50
